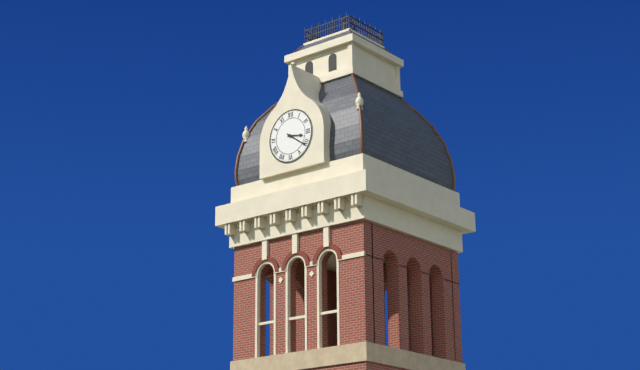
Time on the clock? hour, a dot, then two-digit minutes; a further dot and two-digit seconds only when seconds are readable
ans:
3.21
